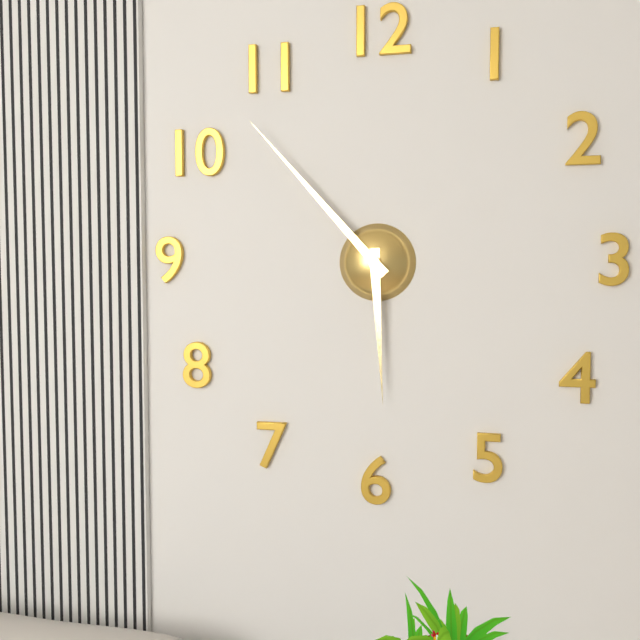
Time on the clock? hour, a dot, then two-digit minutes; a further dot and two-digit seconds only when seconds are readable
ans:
5.53
